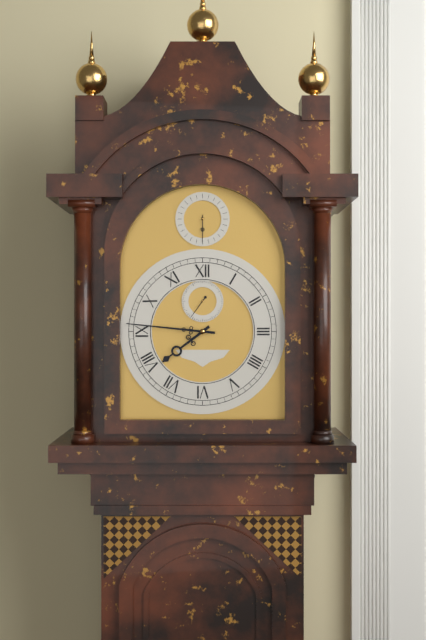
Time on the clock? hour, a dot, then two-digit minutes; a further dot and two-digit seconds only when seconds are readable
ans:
7.46
